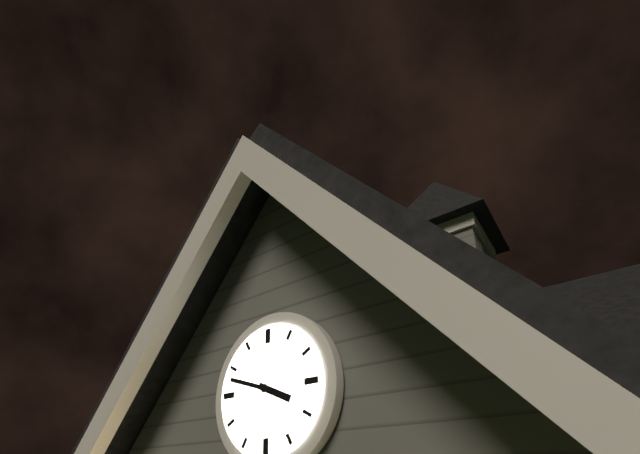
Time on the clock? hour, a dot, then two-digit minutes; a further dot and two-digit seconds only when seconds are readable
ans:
3.48
